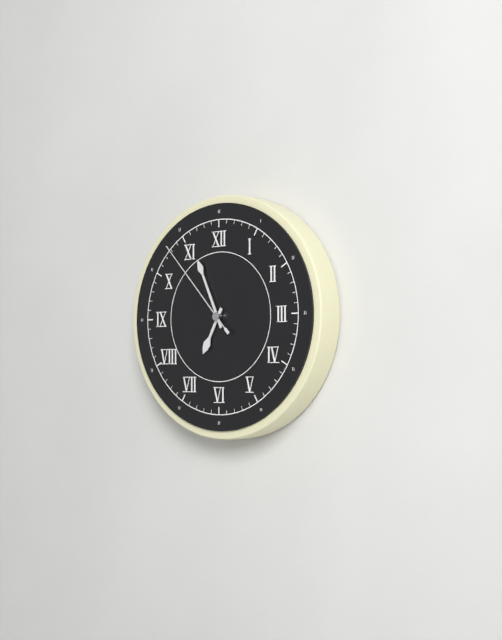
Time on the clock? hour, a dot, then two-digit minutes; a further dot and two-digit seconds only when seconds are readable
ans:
6.56.53
